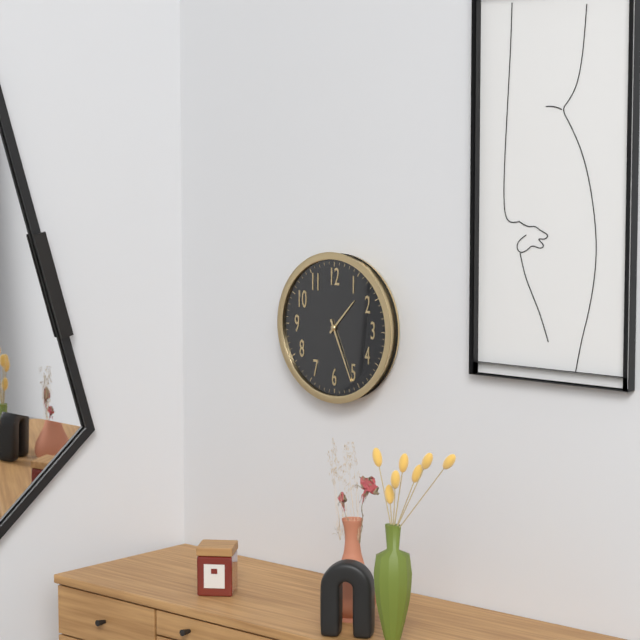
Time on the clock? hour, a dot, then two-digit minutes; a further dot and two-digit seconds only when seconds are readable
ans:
1.26
